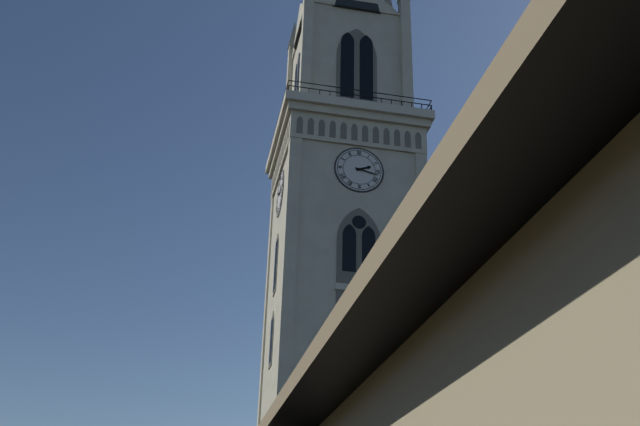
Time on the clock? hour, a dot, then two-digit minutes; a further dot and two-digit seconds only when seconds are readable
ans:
2.17
